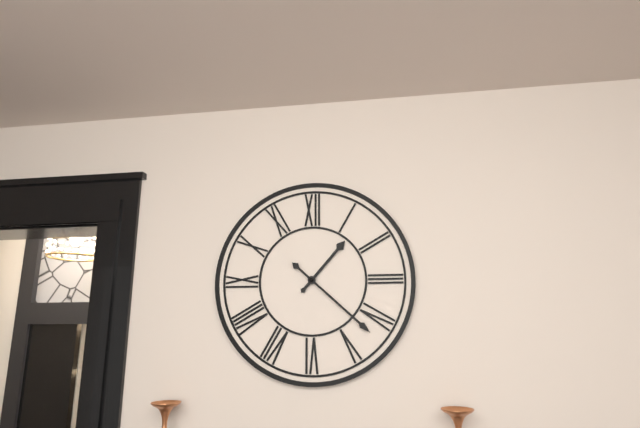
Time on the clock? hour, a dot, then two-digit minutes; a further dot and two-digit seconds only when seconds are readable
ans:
1.22
